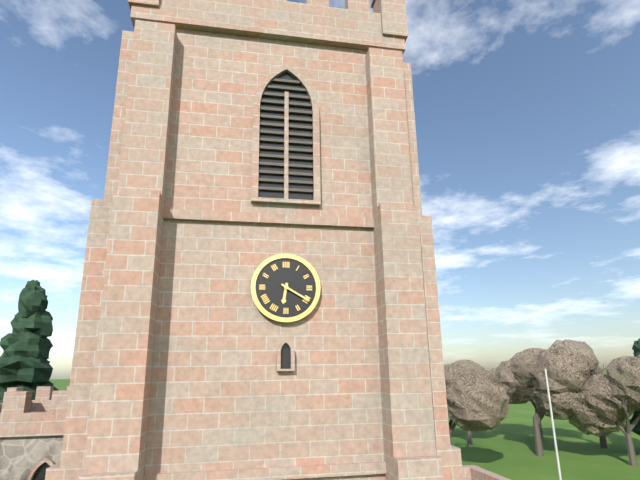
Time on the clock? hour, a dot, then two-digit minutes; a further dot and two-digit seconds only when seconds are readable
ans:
6.20
